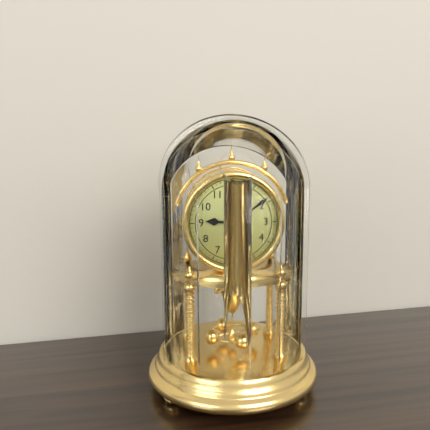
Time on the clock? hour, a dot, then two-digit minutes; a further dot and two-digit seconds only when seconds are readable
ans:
9.09
